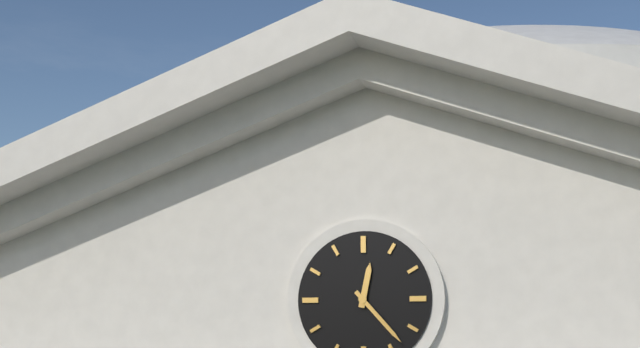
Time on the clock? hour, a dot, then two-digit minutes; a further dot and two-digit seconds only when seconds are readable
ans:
12.23
